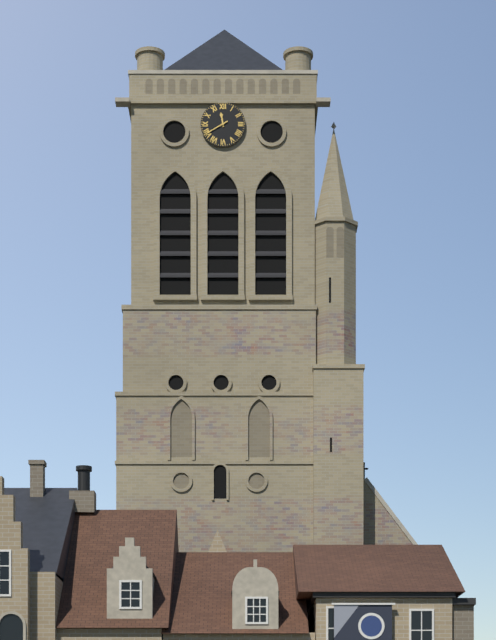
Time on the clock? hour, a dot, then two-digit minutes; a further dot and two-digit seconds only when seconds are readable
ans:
11.40
